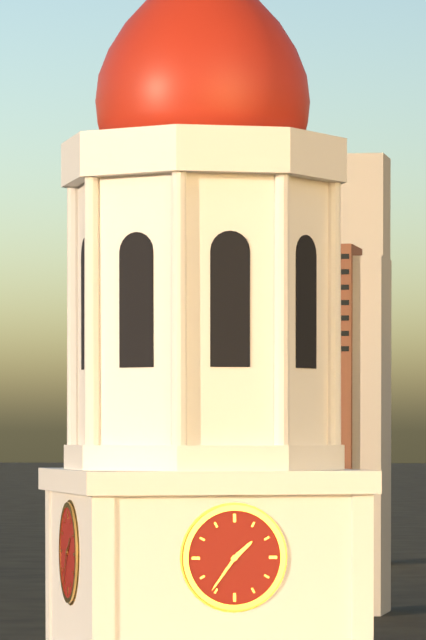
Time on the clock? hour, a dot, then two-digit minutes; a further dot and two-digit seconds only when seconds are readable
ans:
1.36
